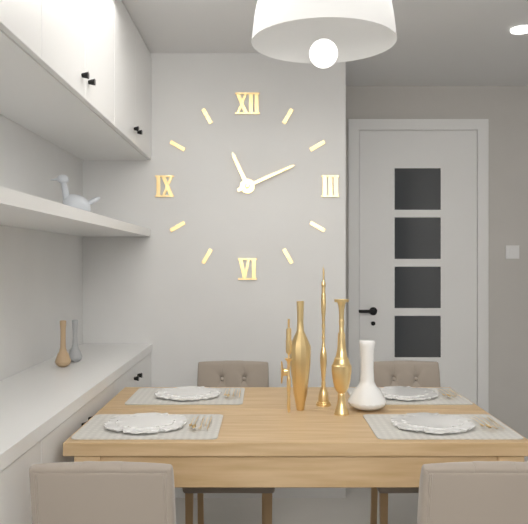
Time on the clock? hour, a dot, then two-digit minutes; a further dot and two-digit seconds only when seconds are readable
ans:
11.11
